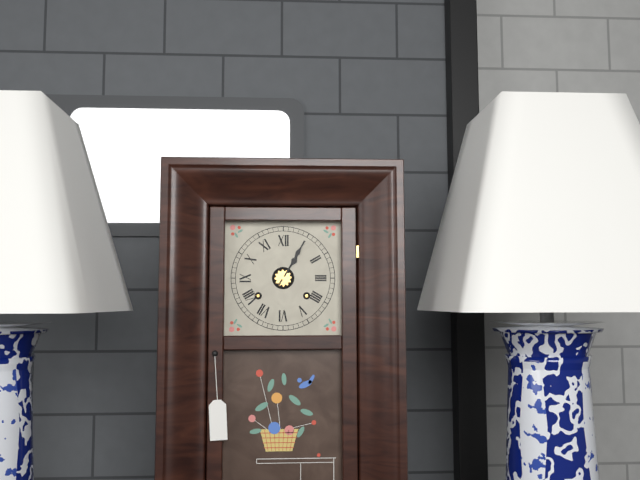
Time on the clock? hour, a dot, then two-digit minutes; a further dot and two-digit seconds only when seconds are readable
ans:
1.05
